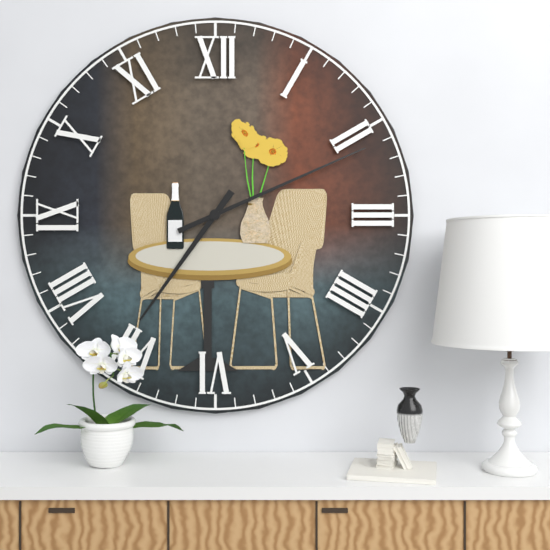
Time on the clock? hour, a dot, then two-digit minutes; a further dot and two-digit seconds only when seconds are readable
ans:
7.11
